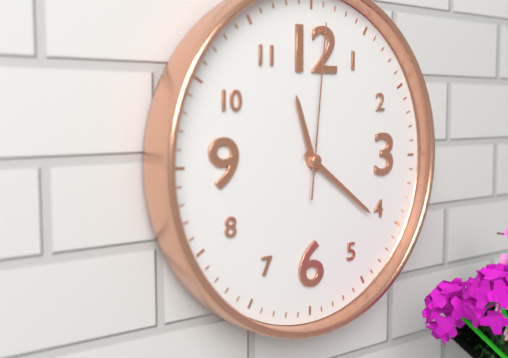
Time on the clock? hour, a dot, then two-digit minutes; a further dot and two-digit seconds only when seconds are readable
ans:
11.21.01
